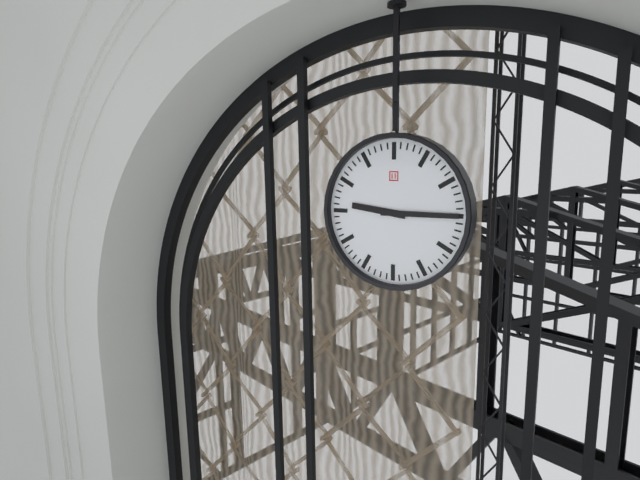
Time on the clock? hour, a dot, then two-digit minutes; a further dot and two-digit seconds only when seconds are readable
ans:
9.15
